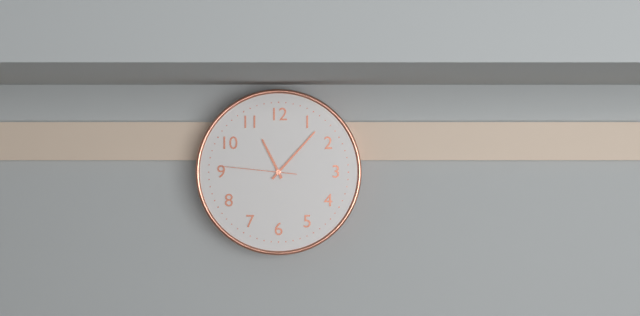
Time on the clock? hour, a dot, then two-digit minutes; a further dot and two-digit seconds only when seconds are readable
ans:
11.07.46
